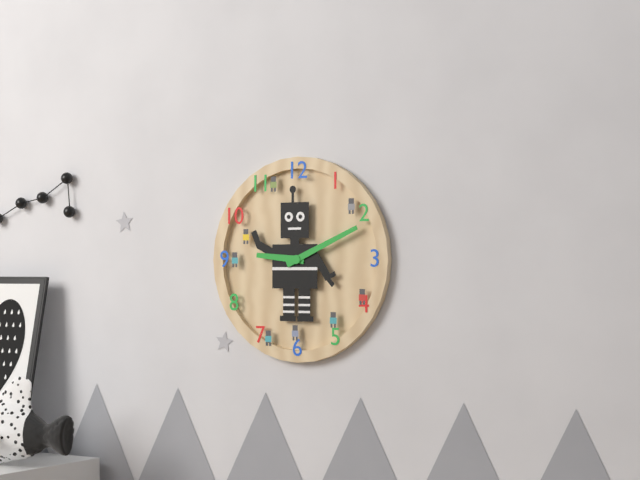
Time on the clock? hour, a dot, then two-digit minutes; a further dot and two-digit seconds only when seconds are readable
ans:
9.11
